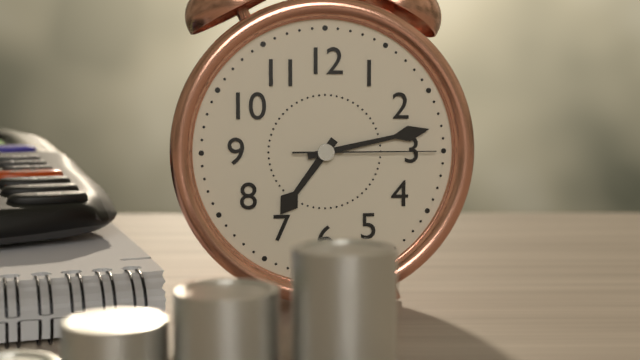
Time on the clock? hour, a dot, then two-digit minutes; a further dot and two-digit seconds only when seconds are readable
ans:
7.13.15
